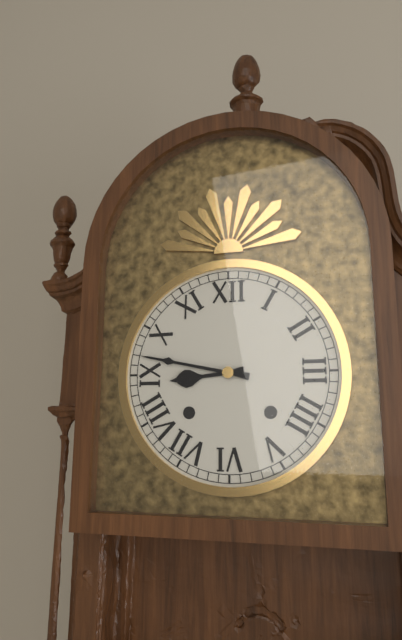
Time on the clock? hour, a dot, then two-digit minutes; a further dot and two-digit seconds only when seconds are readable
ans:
8.47
